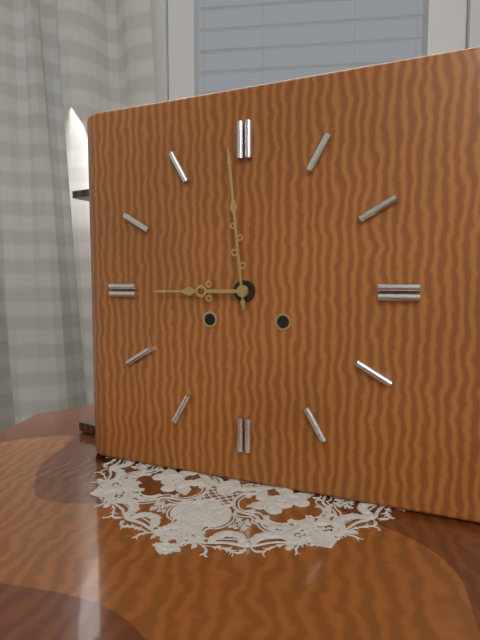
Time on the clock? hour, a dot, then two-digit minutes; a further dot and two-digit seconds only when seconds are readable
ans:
8.59
